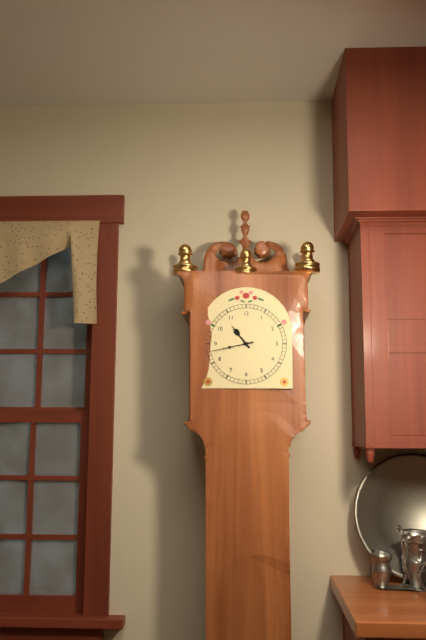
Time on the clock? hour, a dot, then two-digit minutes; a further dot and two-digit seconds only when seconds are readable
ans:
10.43
